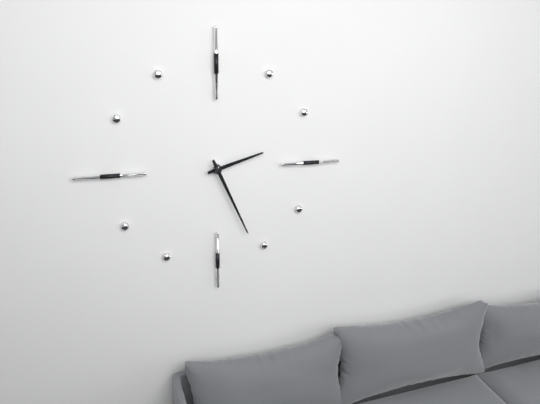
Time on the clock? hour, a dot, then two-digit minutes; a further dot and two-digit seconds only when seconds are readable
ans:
2.26
